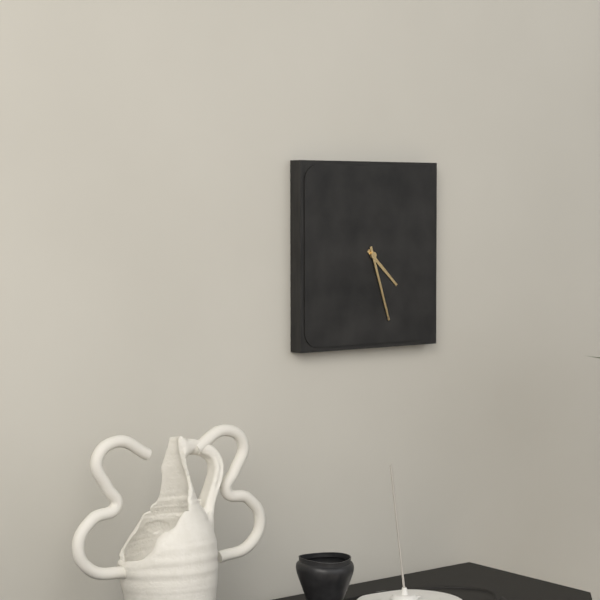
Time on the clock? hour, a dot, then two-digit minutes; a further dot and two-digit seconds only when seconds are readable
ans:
4.27
